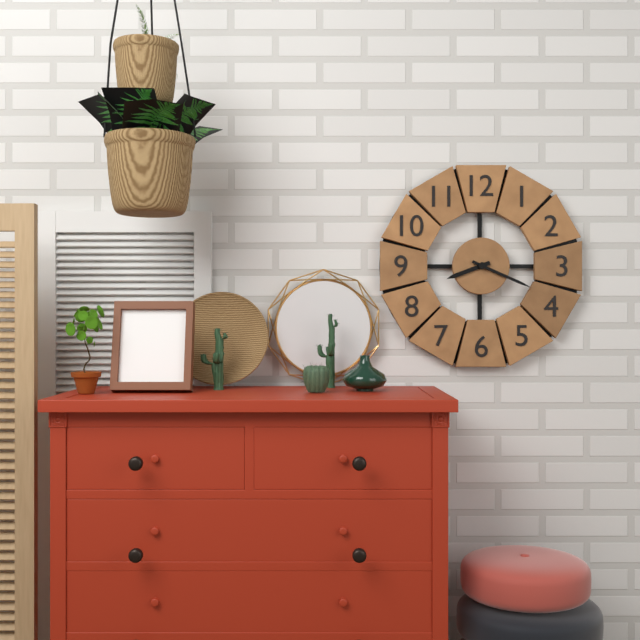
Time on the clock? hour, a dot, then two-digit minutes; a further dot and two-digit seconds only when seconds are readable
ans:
8.19
